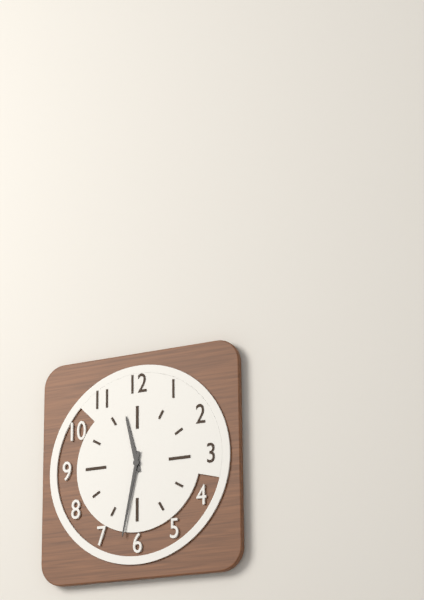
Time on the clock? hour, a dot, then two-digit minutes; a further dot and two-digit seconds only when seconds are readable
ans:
11.32
